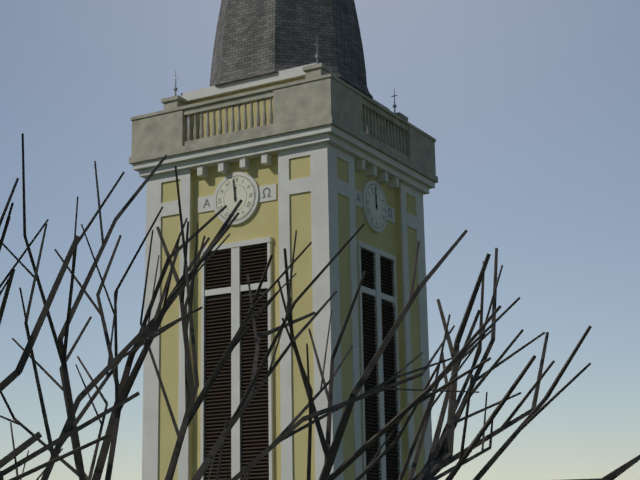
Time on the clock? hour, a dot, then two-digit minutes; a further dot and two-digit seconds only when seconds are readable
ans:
11.59
